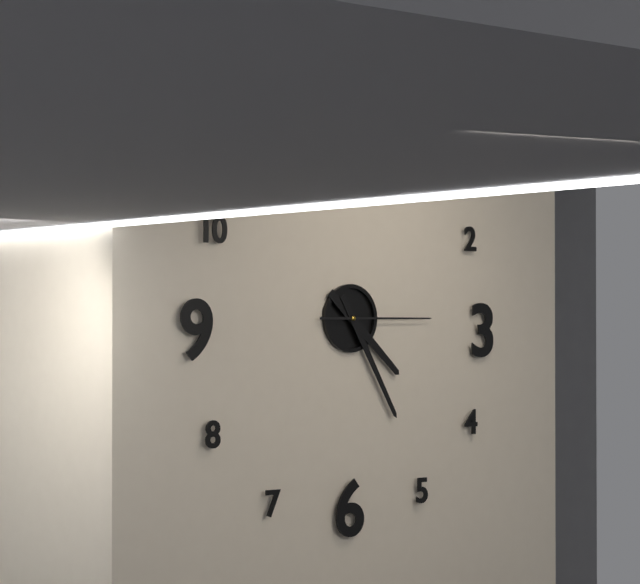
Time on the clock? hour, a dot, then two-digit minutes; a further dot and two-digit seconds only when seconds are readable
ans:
4.25.15
